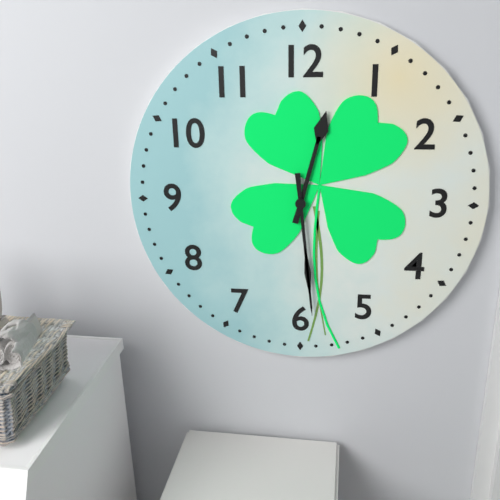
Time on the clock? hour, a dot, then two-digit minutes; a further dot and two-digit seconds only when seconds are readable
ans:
12.29
